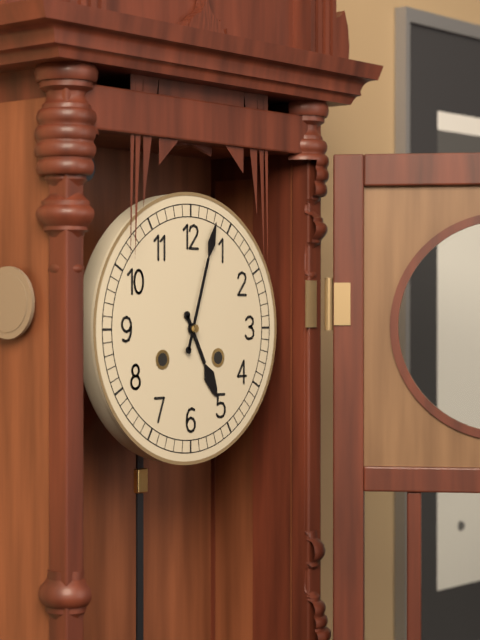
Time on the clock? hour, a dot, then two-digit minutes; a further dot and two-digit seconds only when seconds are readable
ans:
5.03
